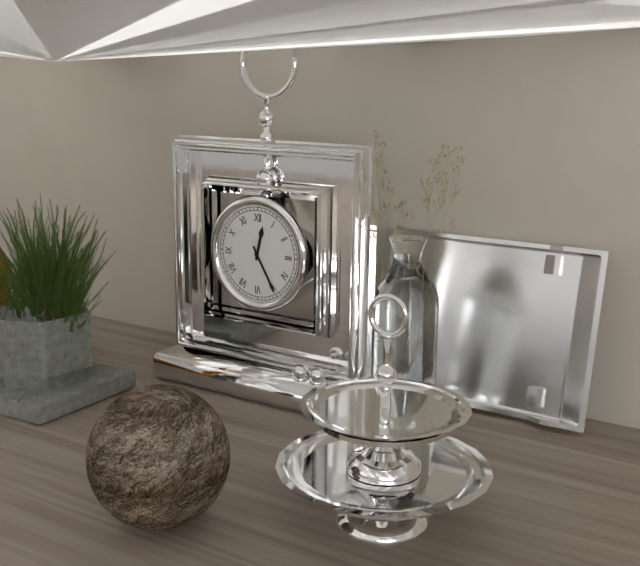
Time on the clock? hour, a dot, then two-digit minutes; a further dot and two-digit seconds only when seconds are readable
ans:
12.25
